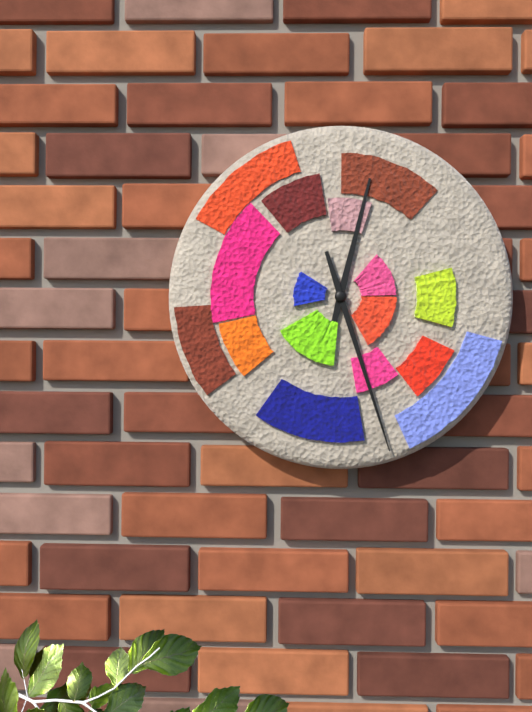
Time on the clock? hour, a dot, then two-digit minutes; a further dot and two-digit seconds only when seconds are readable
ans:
12.27
